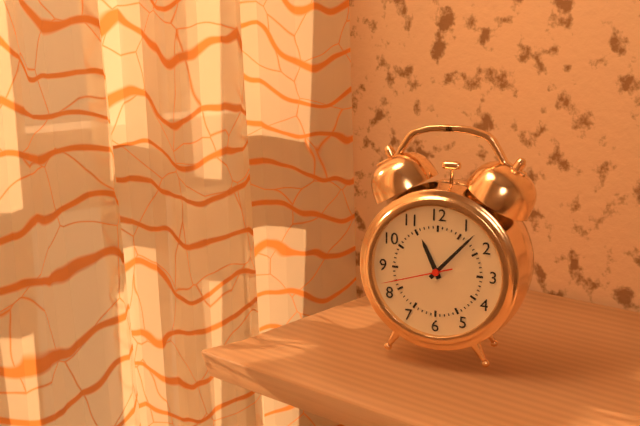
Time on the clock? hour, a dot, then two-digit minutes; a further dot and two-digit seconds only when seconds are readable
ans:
11.07.42
